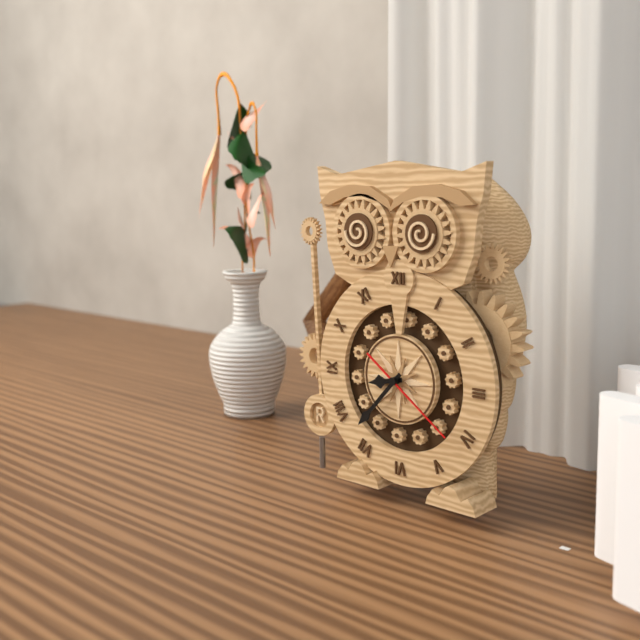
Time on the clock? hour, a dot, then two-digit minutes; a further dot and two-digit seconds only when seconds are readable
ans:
8.37.21
